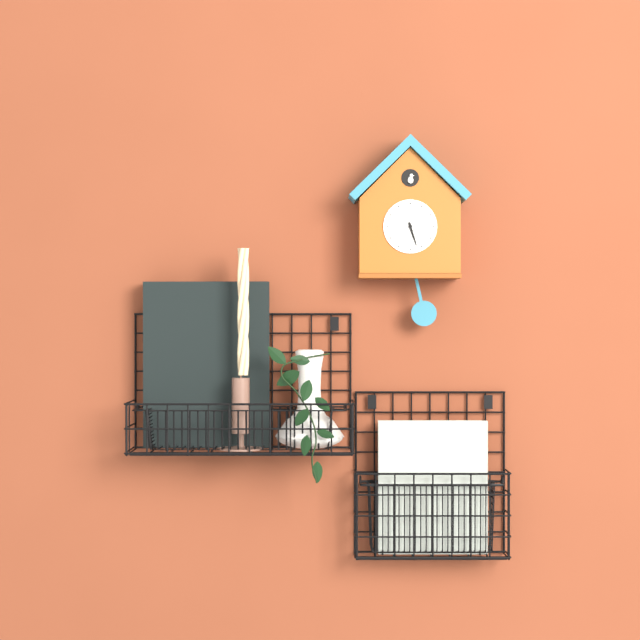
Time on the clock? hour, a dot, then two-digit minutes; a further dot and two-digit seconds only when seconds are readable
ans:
5.27
